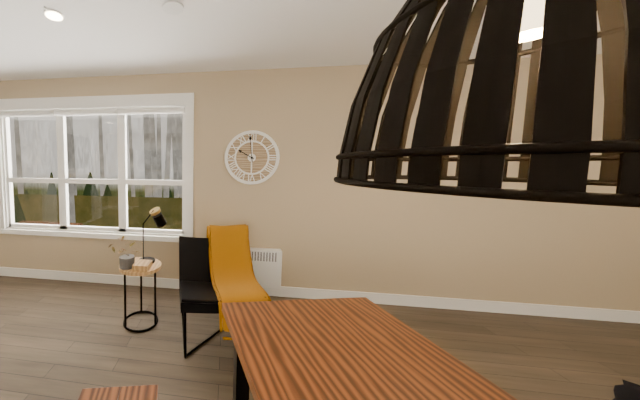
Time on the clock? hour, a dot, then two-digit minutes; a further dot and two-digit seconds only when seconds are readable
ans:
9.59
